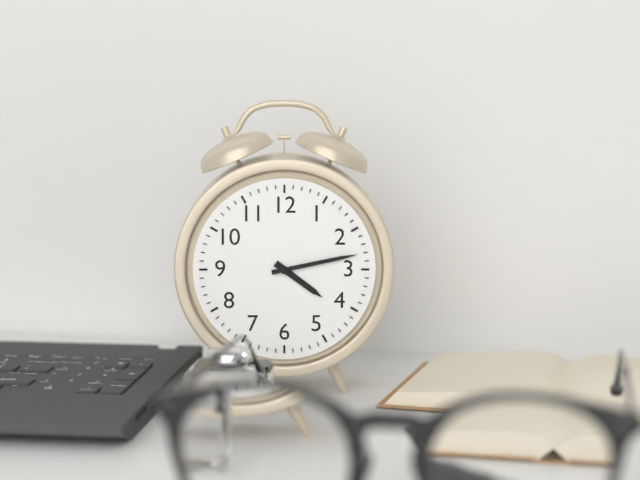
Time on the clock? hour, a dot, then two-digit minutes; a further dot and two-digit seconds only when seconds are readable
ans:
4.13
